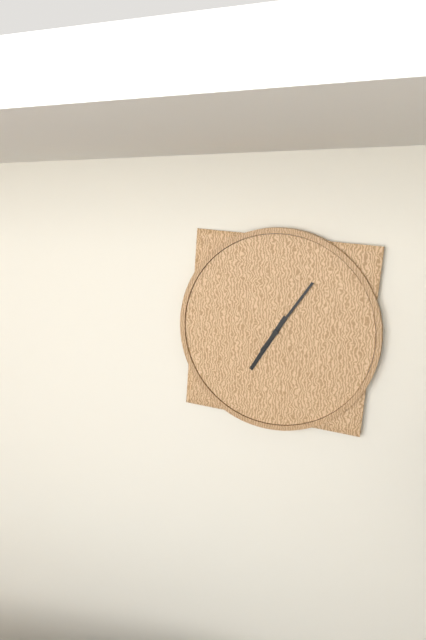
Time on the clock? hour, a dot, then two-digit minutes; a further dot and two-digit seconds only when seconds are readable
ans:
7.06
